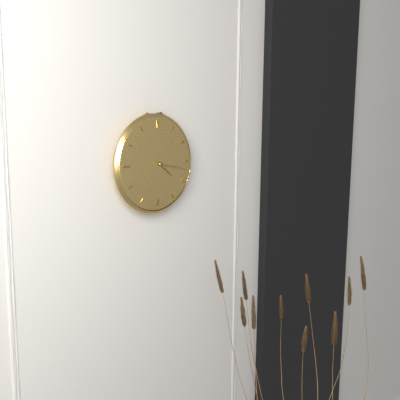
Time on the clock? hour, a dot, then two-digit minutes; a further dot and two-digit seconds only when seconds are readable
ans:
4.17
